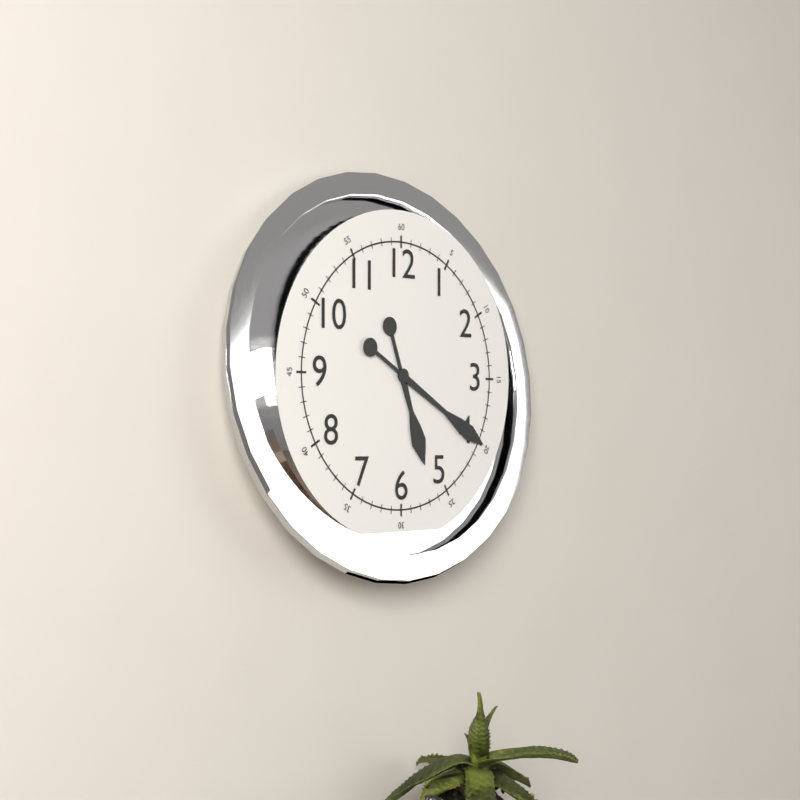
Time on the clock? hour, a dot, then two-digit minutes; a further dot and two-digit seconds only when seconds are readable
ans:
5.20
